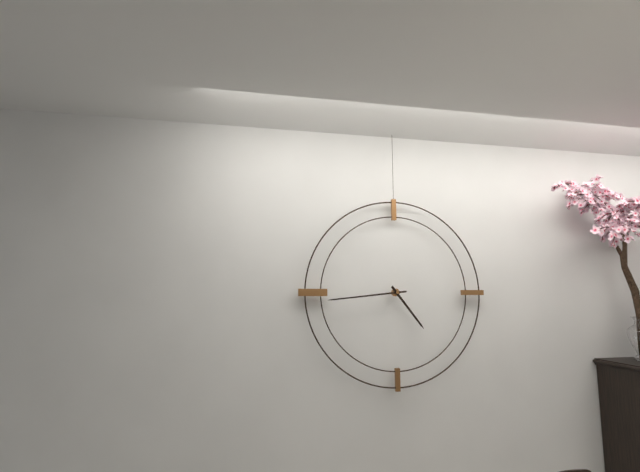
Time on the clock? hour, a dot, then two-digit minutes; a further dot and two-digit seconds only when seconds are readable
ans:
4.44
